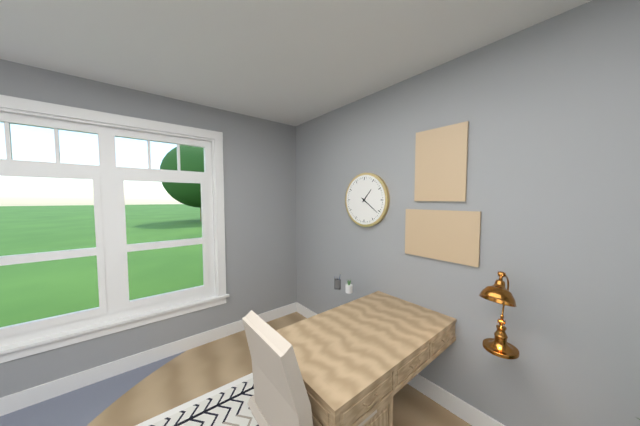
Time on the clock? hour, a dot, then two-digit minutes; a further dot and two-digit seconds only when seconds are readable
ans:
1.21
